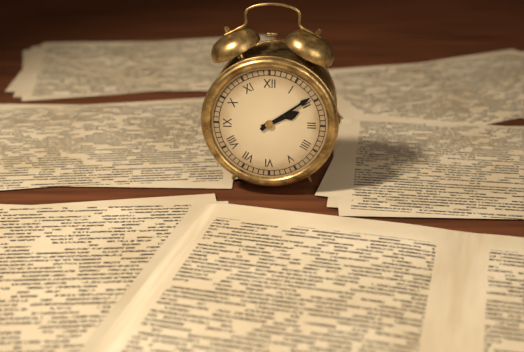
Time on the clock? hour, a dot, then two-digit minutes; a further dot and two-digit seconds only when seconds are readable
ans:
2.09
